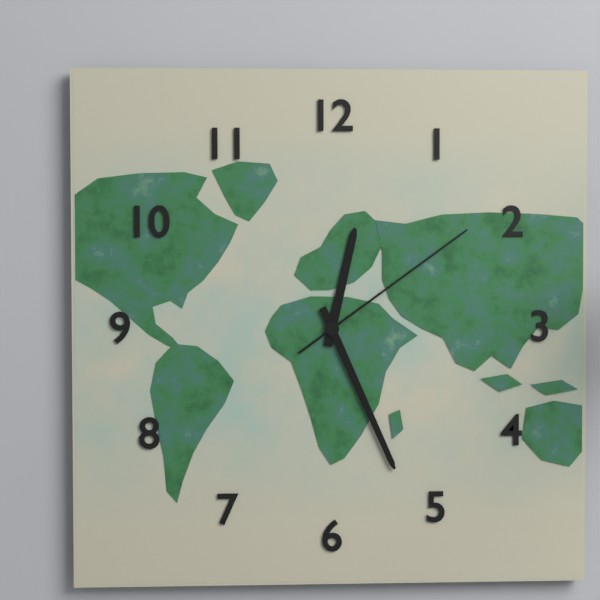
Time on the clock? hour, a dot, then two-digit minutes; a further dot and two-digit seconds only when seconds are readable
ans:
12.26.09
